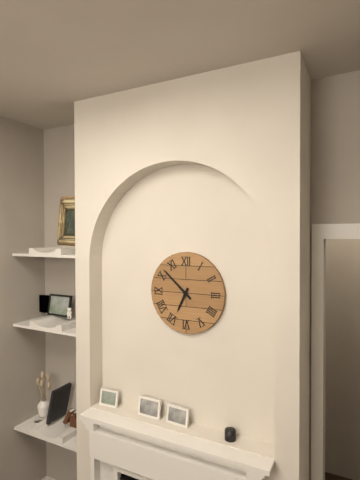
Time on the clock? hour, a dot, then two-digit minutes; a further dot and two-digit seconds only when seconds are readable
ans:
6.52
